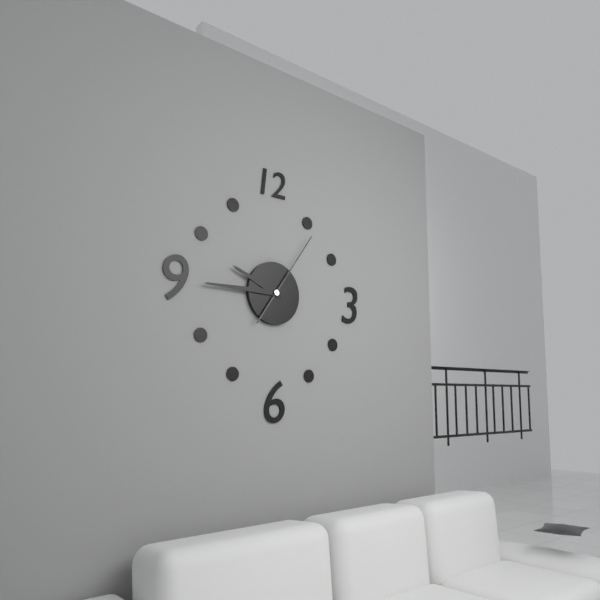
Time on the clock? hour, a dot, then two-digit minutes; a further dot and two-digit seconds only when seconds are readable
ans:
9.45.06
